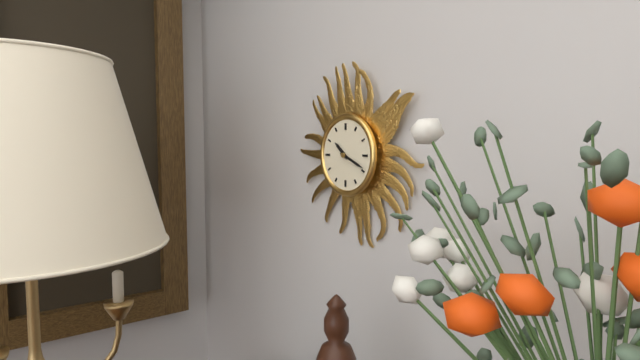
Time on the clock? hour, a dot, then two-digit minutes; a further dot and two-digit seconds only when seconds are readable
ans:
10.19
